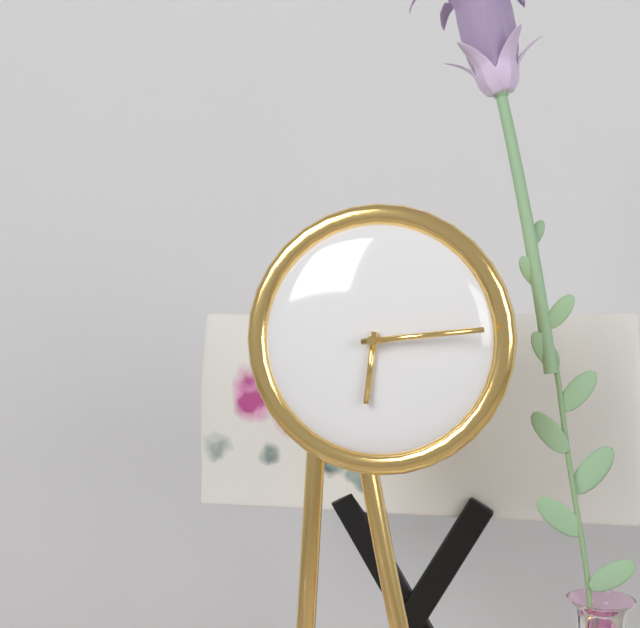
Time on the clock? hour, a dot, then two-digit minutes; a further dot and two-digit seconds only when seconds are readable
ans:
6.14
